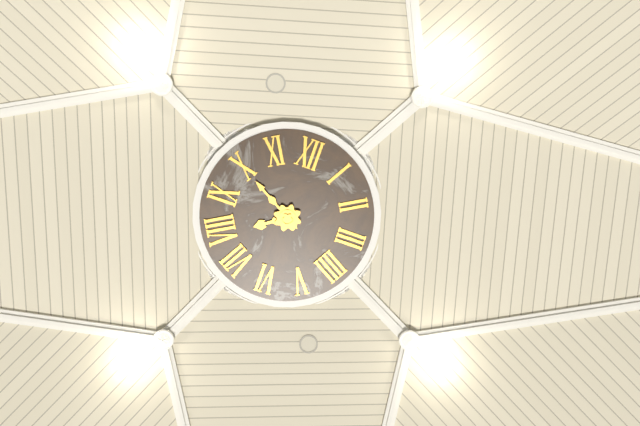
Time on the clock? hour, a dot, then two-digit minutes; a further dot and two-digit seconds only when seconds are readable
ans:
7.50
